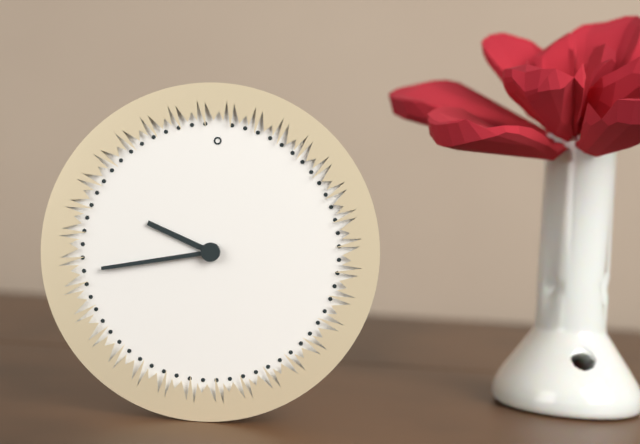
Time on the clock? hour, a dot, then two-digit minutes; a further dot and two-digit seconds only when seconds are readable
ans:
9.43
